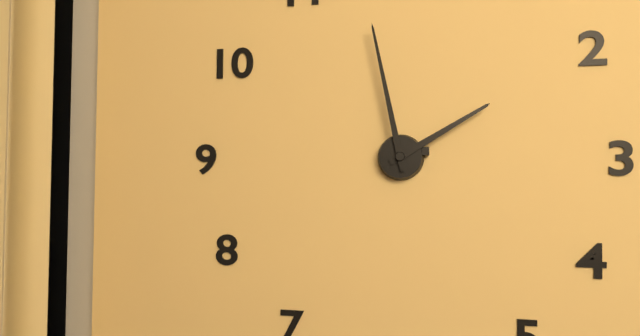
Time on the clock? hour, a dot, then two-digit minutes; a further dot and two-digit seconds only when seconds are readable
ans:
1.58
